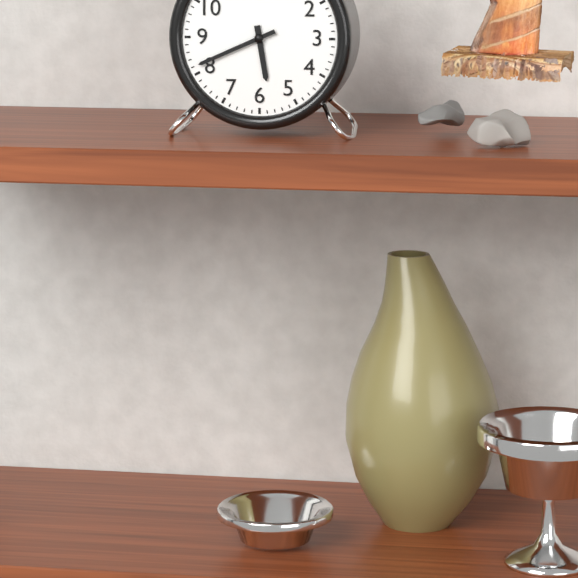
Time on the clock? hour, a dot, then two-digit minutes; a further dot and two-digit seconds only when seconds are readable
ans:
5.41
